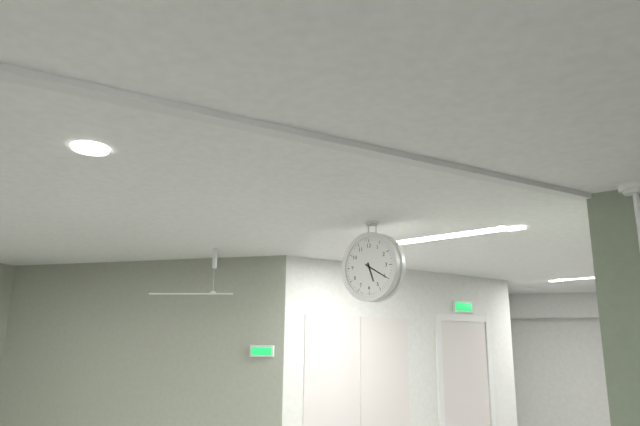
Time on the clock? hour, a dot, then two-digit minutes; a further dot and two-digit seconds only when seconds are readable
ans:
5.20
